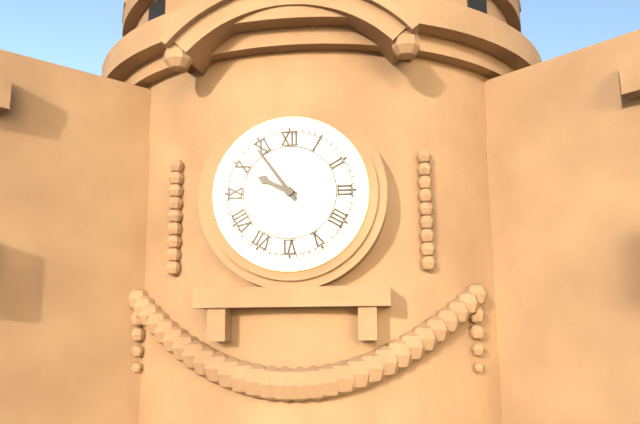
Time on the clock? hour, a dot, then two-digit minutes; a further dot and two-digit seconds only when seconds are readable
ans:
9.54
